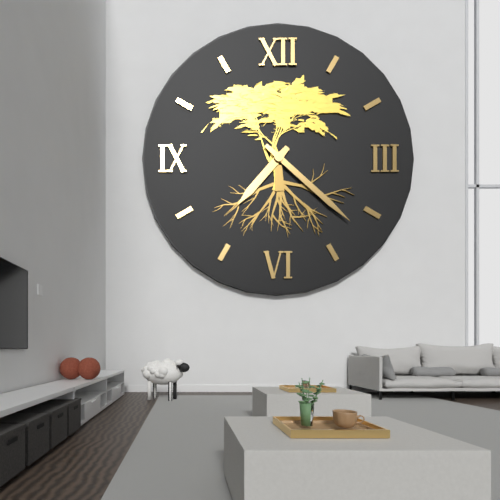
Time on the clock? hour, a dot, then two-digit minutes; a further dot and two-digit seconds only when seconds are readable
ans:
7.22
